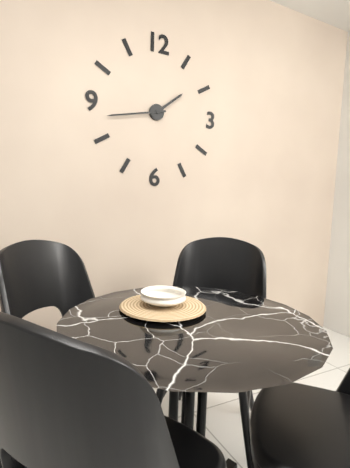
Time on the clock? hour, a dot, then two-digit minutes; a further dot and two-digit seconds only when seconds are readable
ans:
1.43
